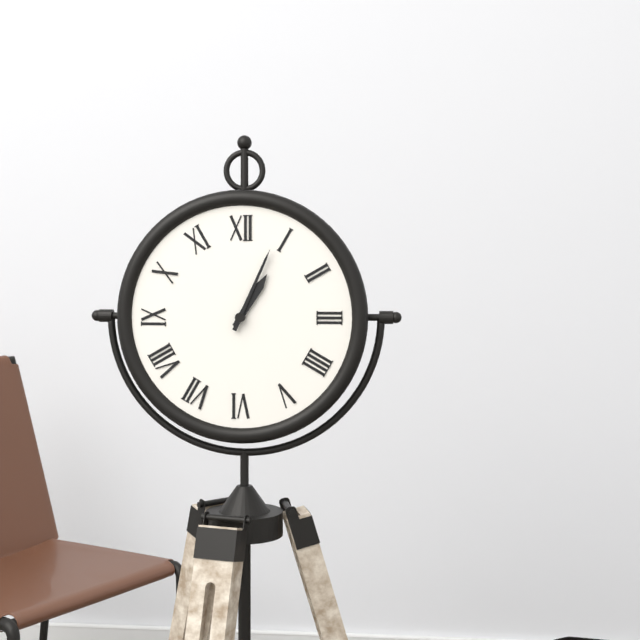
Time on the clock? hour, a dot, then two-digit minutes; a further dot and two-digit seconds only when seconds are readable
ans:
1.04
